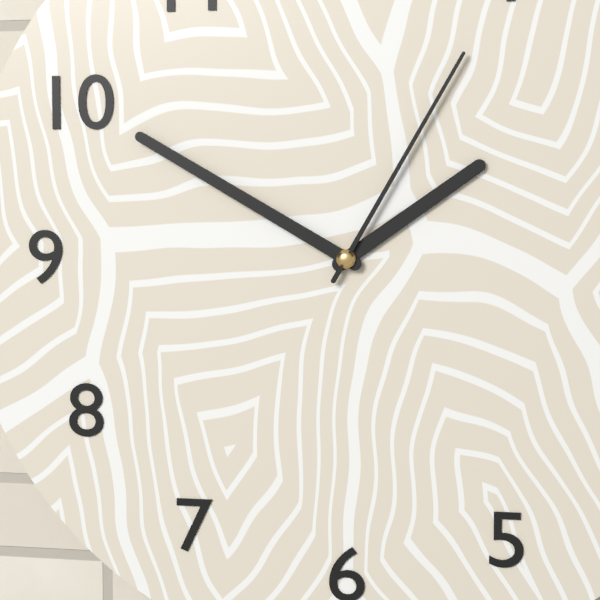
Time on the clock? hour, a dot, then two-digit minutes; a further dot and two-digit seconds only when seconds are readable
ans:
1.50.05
